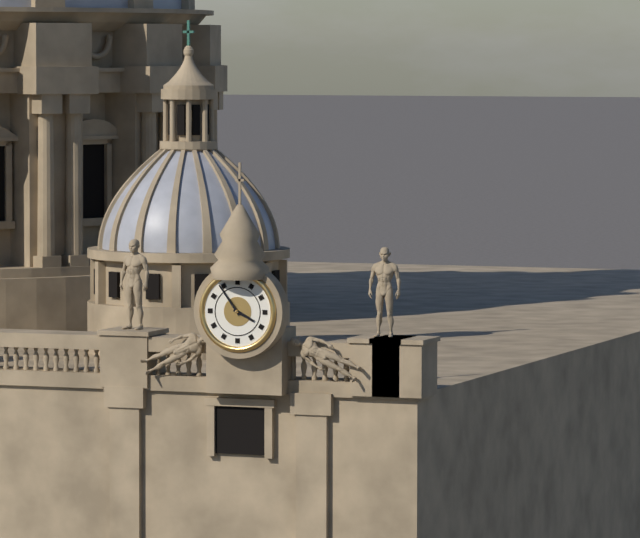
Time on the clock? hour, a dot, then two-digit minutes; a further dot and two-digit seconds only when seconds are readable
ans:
3.54
